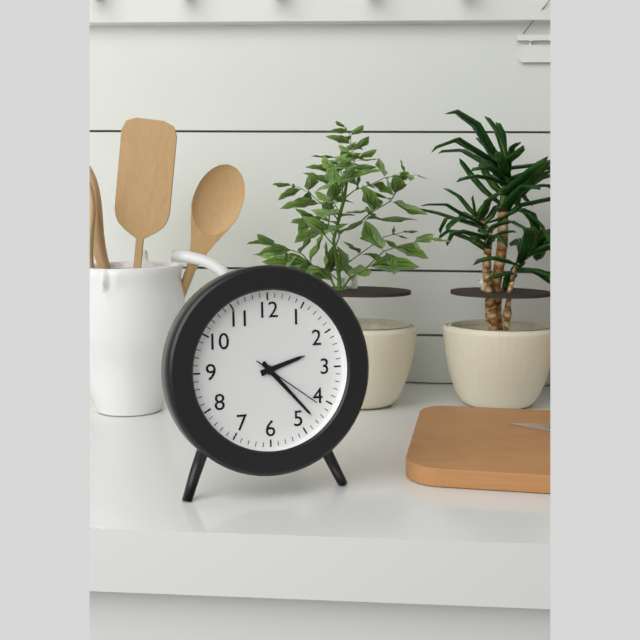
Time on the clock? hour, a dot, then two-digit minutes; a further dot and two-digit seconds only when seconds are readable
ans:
2.23.21
